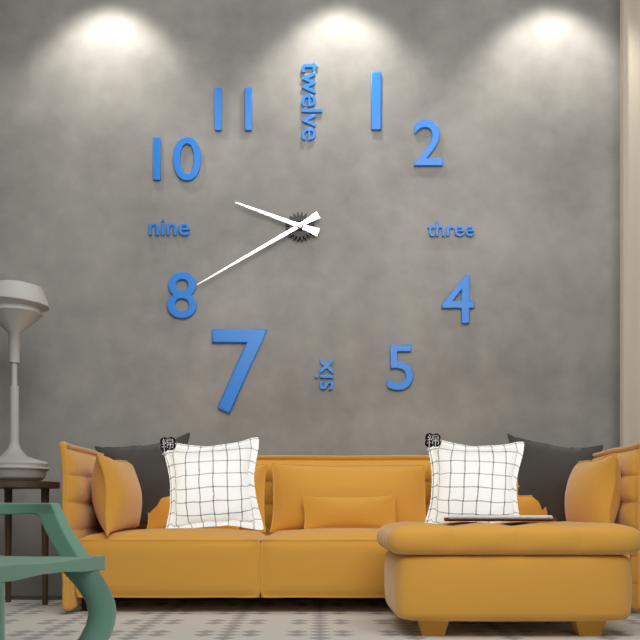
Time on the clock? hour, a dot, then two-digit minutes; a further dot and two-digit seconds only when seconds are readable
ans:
9.40
